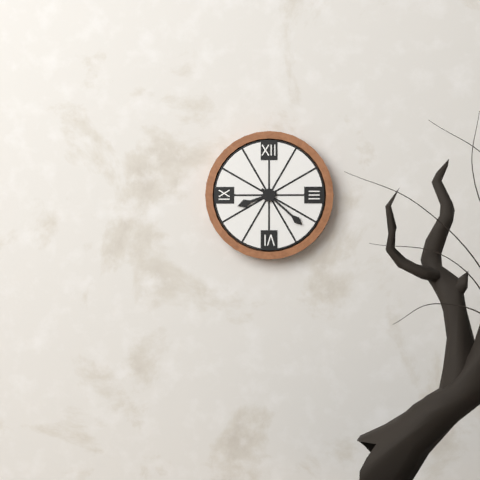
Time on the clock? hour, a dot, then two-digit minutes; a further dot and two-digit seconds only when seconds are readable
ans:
8.22
